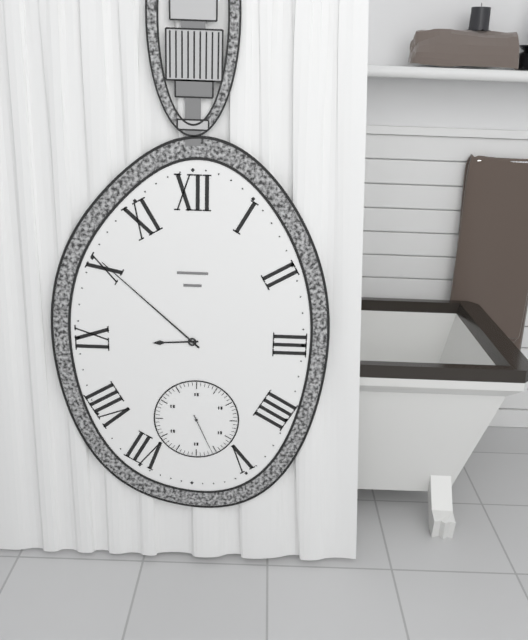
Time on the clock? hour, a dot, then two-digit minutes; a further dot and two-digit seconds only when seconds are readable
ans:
8.52
